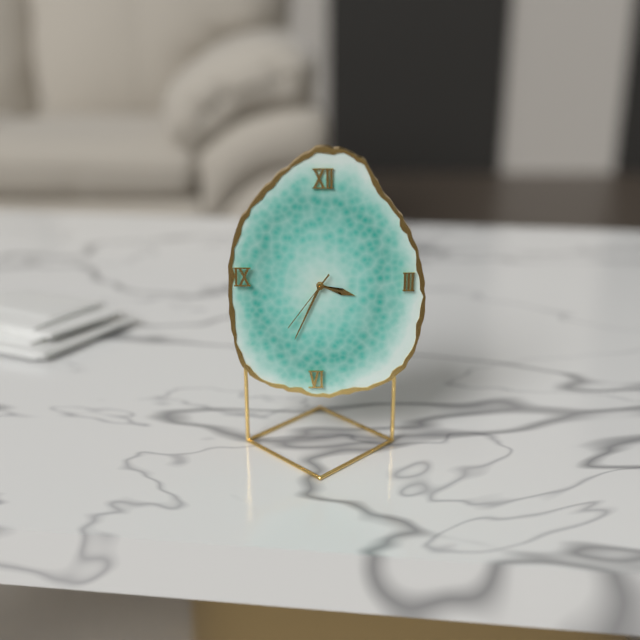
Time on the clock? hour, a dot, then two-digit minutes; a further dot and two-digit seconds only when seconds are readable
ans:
3.34.36
